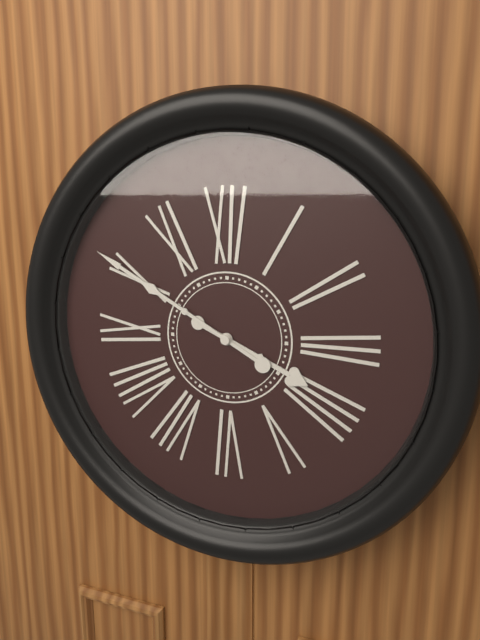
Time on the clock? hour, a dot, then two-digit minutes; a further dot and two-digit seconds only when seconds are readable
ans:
3.50
